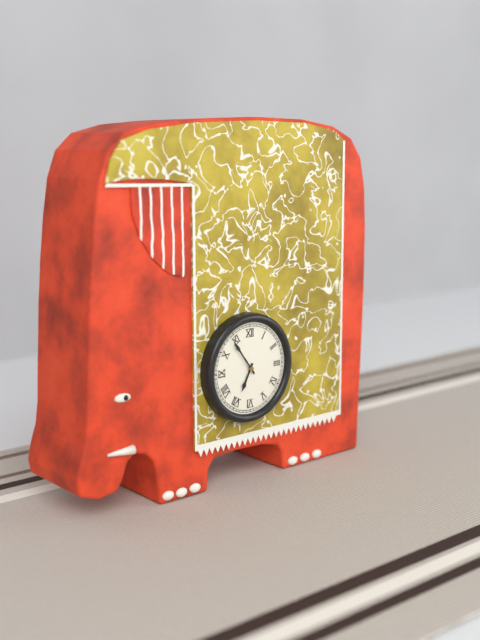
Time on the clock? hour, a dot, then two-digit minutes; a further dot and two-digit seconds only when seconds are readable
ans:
6.54
